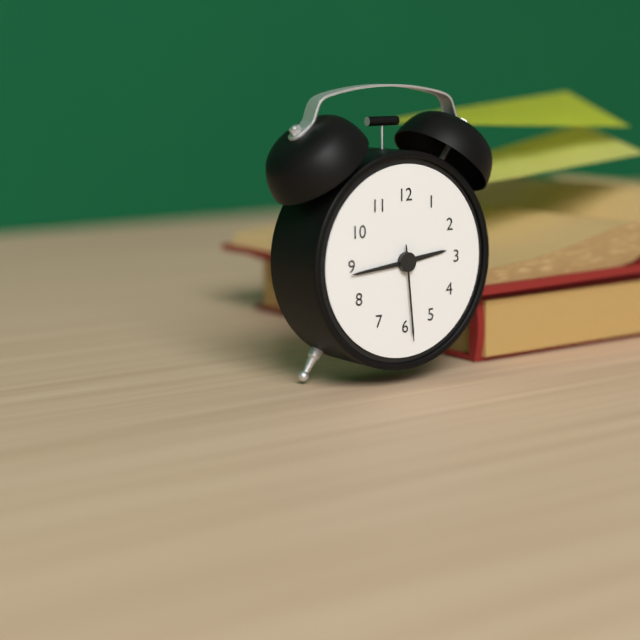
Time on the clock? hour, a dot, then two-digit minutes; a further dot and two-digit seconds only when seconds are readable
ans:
2.44.29
